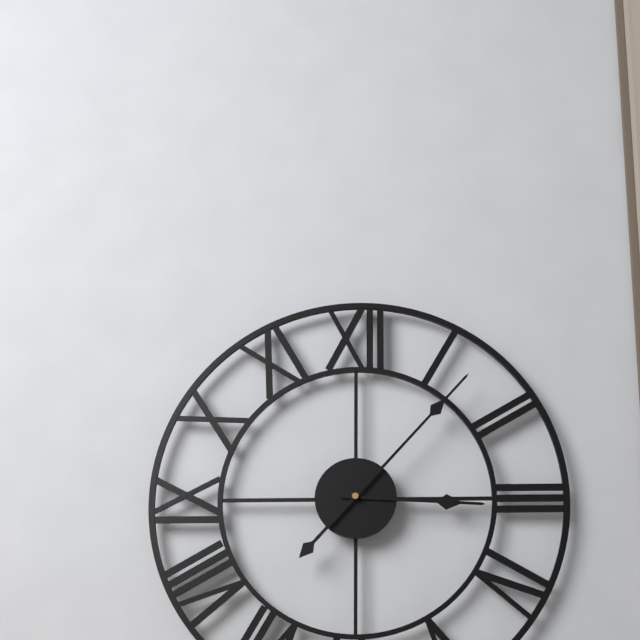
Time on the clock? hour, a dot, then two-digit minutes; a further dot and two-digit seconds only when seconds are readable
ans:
3.07
